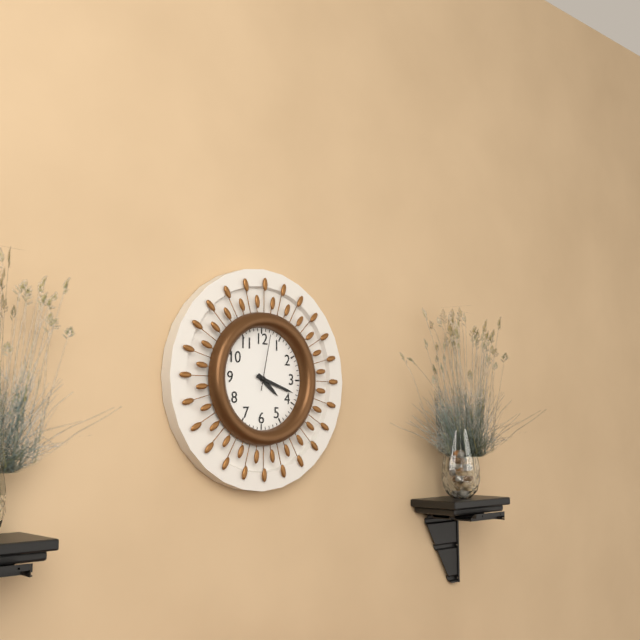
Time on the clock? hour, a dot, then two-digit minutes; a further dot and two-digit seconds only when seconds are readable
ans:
4.18.02
